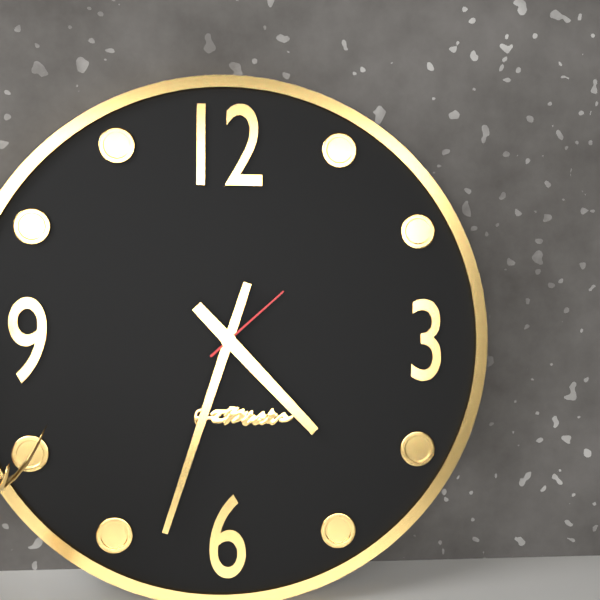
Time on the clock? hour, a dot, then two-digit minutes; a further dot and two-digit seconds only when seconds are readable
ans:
4.33.08
